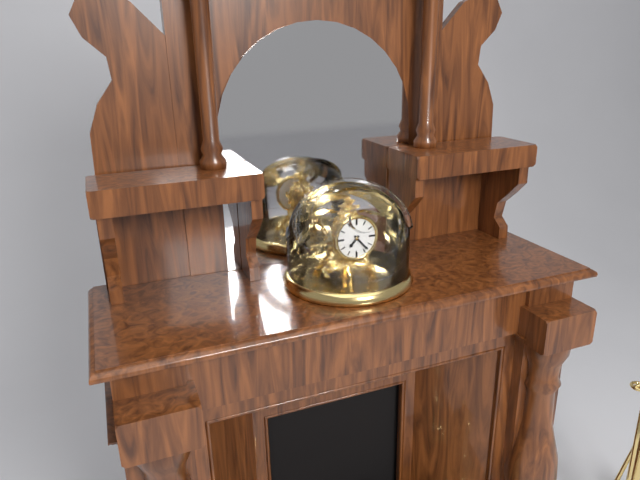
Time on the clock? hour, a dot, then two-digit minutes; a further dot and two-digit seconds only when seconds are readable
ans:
7.23
